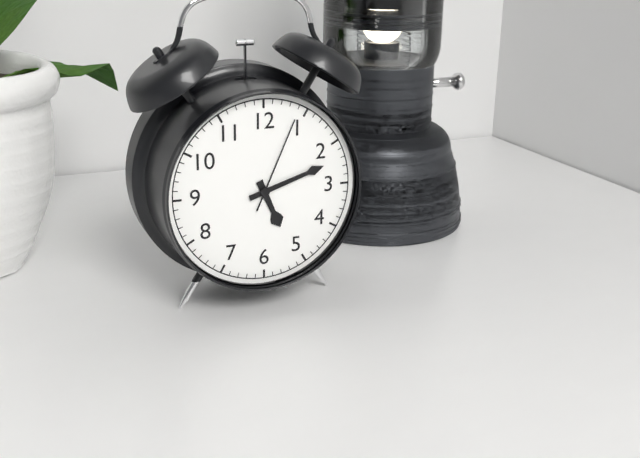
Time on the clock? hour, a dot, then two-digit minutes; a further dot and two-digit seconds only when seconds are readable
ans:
5.12.04
